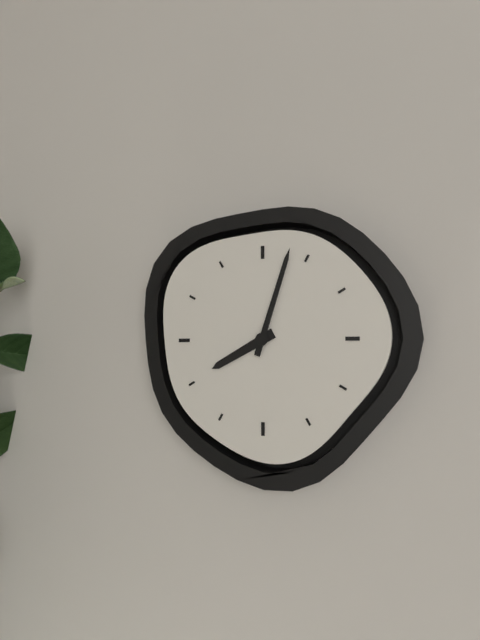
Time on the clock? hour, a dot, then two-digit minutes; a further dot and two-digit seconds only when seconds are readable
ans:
8.03
